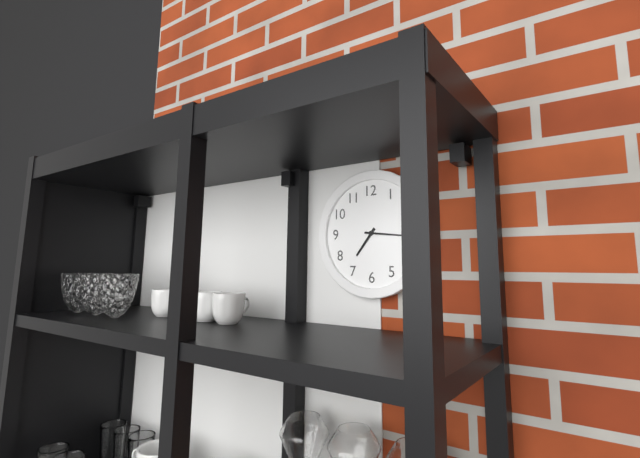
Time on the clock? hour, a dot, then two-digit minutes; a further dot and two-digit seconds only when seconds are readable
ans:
7.16
